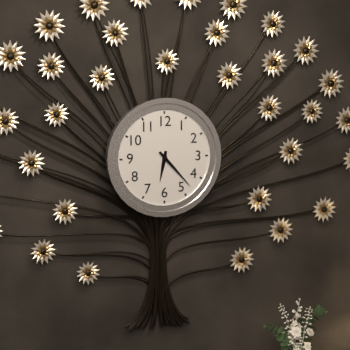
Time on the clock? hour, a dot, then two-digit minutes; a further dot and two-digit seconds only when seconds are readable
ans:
6.23
